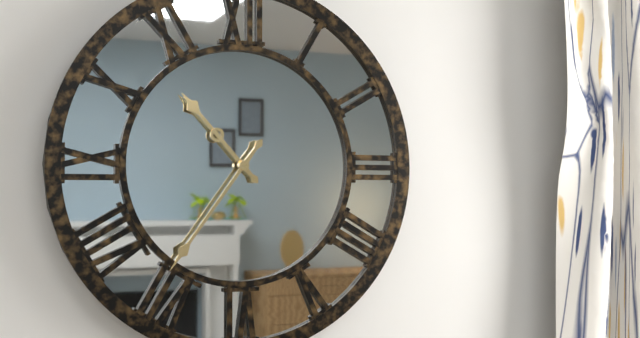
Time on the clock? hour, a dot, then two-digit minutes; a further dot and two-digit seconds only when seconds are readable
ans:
10.36
